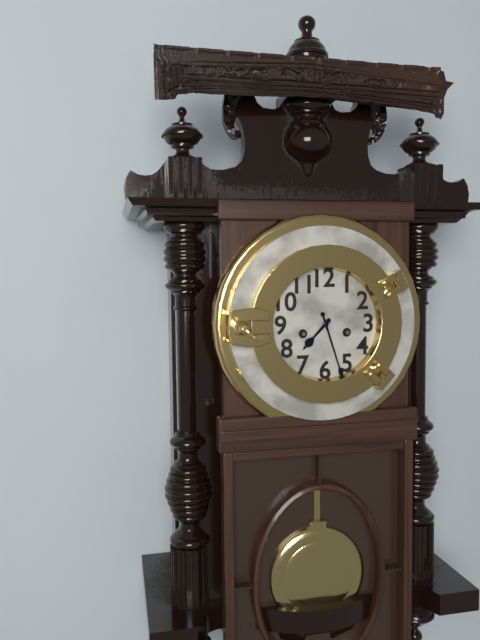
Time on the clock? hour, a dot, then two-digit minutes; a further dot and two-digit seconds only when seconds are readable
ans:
7.27
